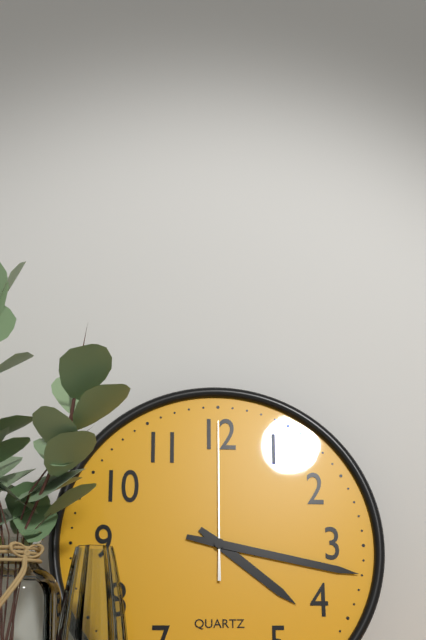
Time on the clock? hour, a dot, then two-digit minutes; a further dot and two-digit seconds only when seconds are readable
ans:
4.17.00
